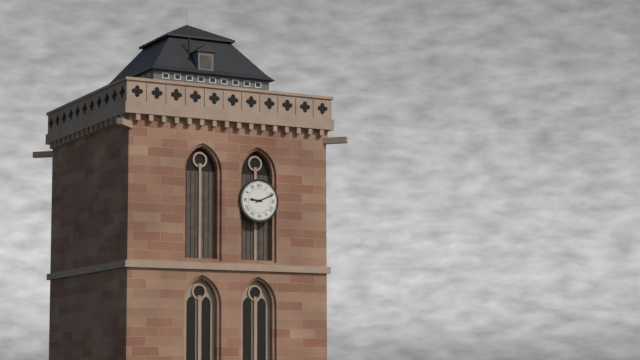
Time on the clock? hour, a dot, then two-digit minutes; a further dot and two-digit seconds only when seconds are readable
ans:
9.11
